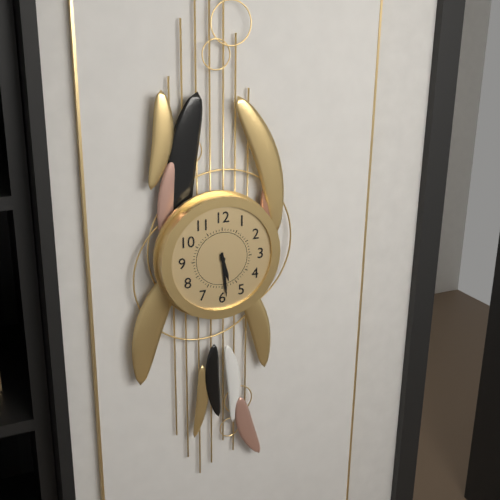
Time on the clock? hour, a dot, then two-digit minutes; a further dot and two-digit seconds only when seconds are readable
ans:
5.29
